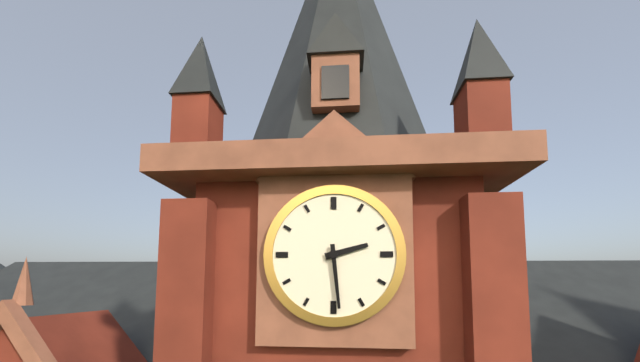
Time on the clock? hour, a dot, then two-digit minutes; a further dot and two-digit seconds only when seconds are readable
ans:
2.29
